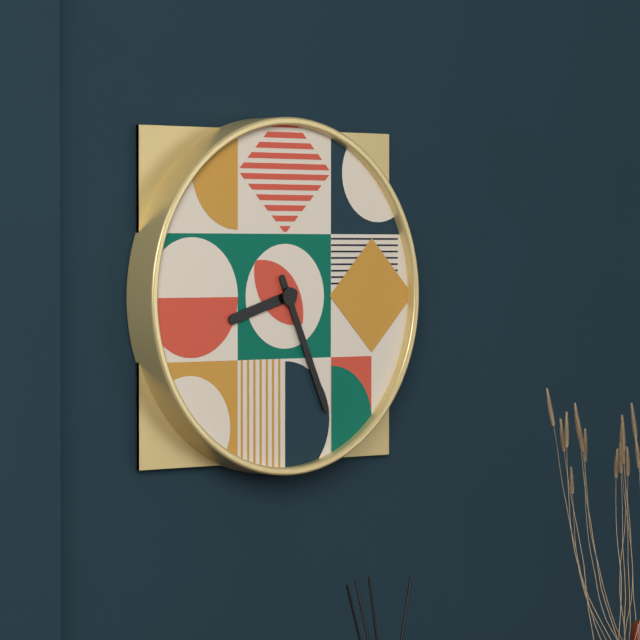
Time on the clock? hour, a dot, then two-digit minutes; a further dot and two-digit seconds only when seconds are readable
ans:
8.26
